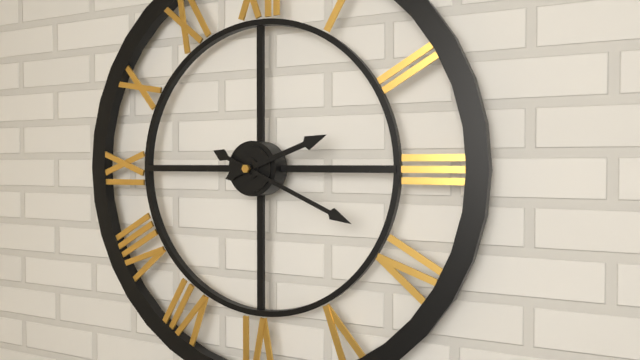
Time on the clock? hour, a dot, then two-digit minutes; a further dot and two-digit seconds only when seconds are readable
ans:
2.19
